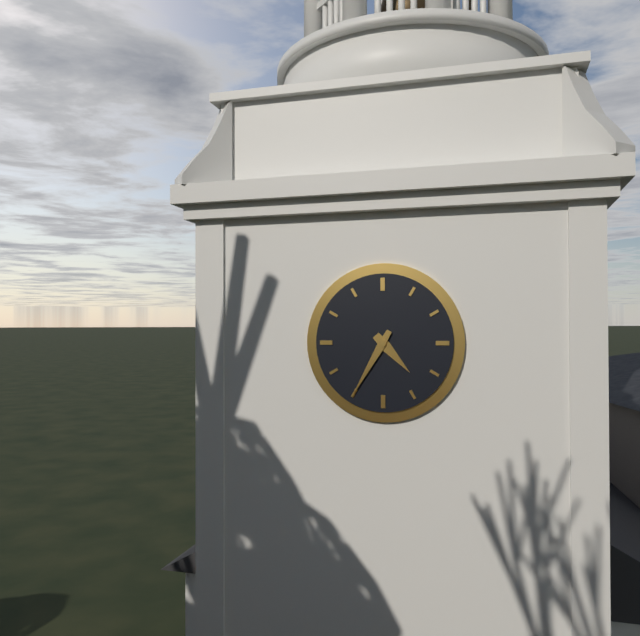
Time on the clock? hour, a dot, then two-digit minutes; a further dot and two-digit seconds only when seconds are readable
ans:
4.35
